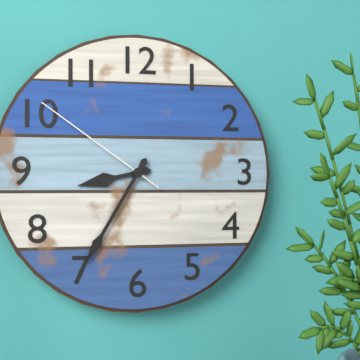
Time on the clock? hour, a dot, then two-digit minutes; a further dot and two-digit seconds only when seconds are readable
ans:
8.35.51
